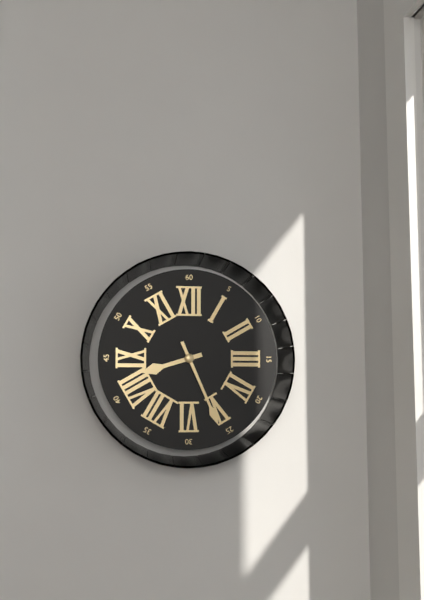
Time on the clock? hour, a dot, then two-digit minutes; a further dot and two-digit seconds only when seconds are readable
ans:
8.26
